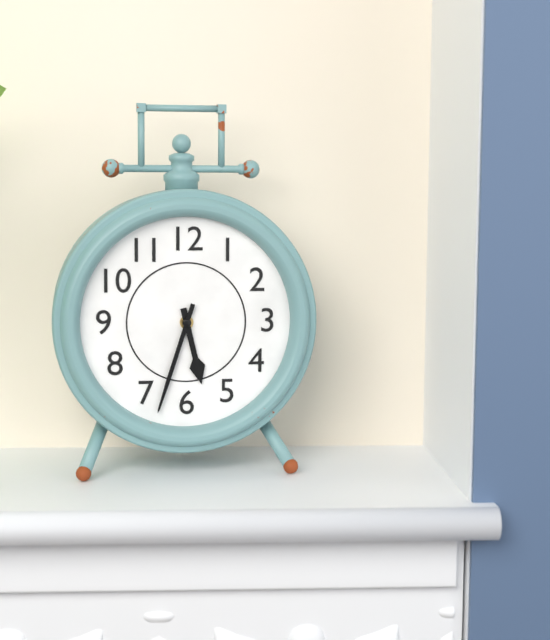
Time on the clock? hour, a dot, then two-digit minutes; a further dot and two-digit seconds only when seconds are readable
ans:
5.33
